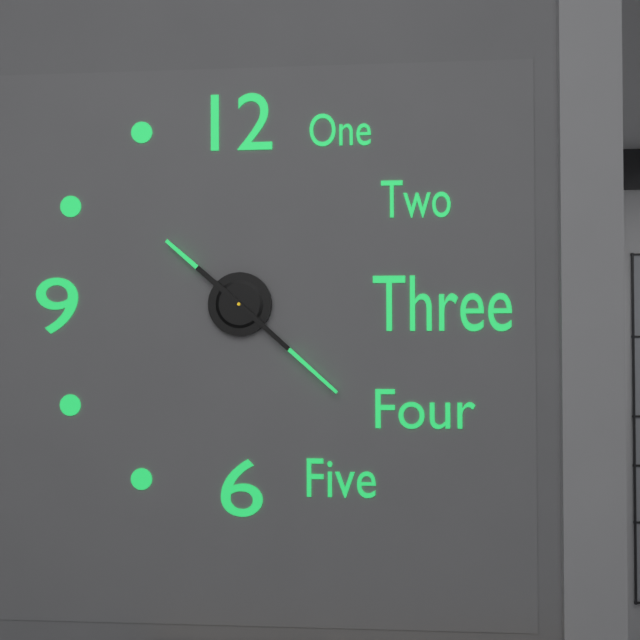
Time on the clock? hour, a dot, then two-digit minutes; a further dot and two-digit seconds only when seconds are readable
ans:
10.22
